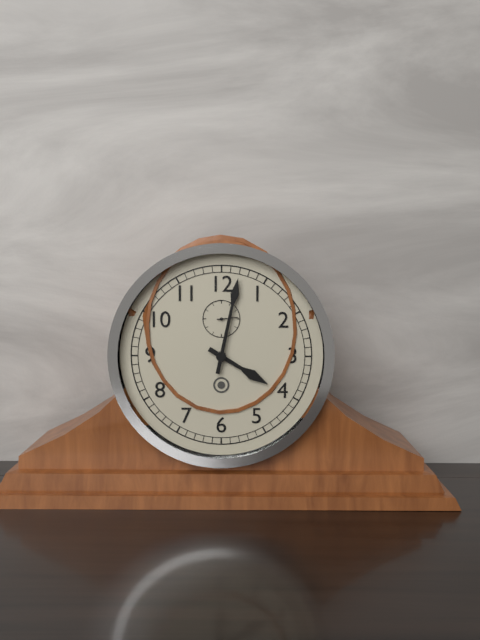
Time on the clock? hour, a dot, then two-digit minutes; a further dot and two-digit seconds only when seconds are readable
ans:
4.02
